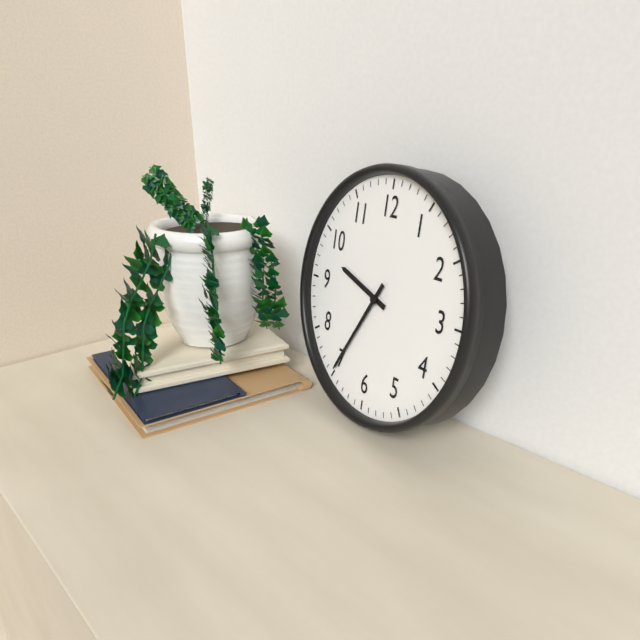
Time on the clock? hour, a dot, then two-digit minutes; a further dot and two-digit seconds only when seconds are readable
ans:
9.35
